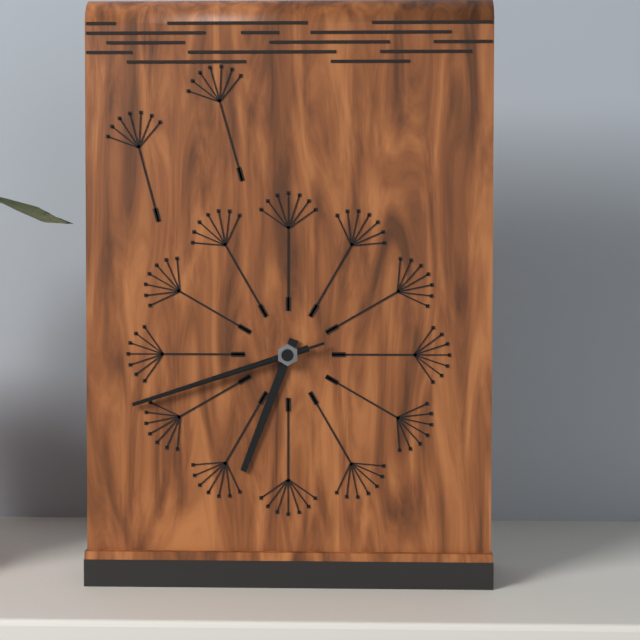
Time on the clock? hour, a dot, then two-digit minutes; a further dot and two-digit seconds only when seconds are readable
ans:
6.42.42
